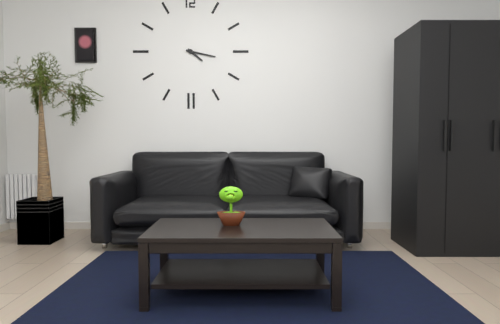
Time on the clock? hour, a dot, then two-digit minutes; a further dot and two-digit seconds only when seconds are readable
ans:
4.17
